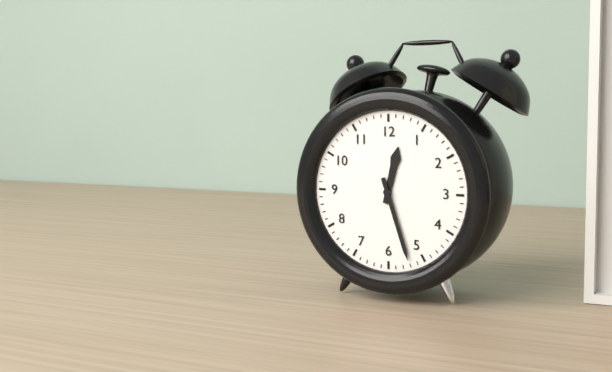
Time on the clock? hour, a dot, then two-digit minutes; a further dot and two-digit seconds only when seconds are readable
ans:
12.27
